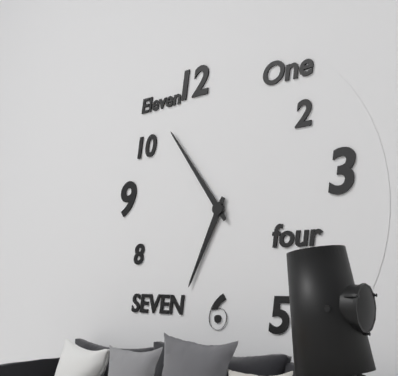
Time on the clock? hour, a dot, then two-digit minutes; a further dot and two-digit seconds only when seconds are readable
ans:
6.54
